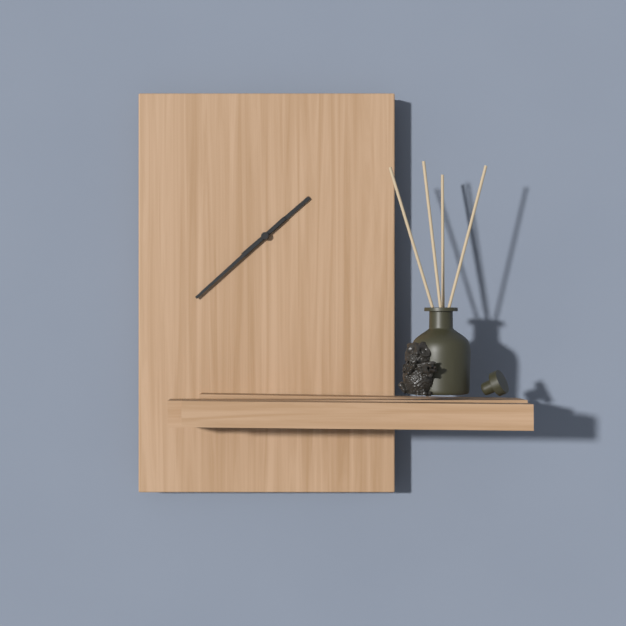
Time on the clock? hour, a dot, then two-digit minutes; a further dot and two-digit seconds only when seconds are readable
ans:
1.38
